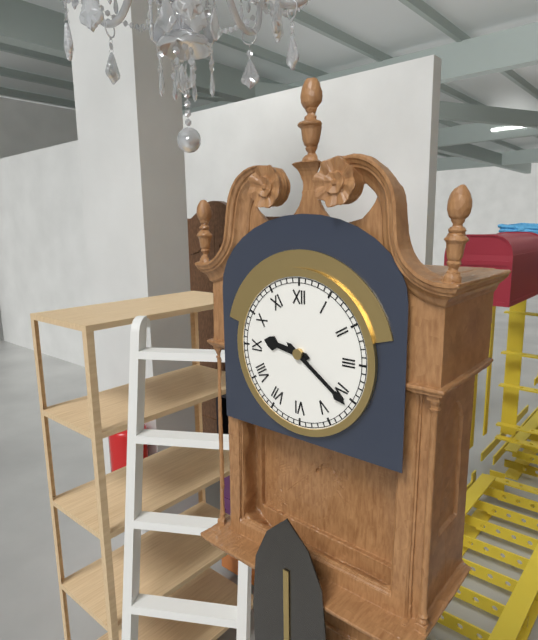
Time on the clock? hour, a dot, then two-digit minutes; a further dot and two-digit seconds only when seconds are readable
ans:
9.21
